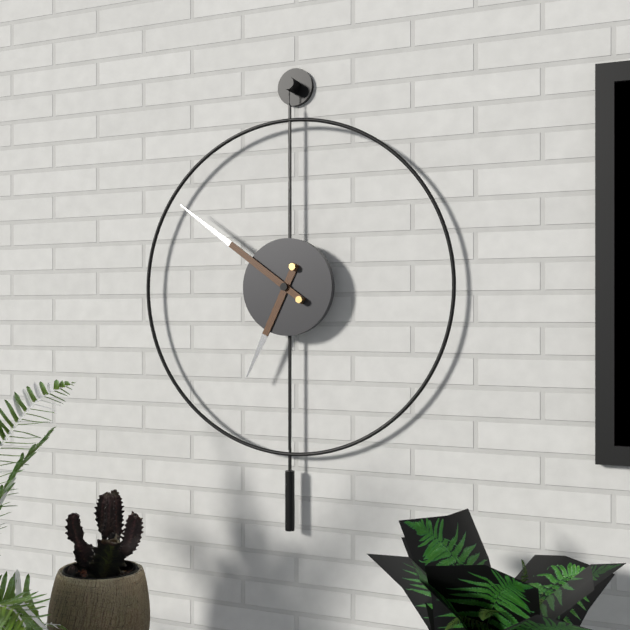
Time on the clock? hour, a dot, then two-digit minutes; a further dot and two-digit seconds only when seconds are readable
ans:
6.51
